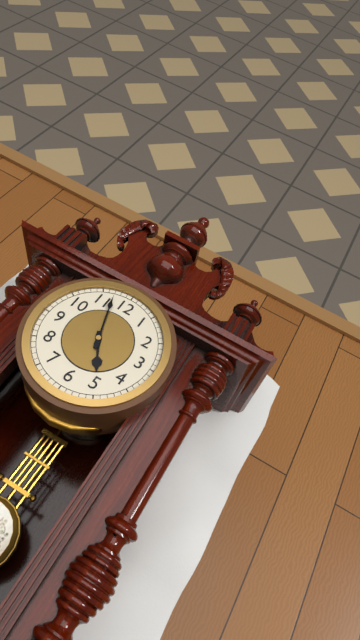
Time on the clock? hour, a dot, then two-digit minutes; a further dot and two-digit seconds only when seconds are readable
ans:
4.57
